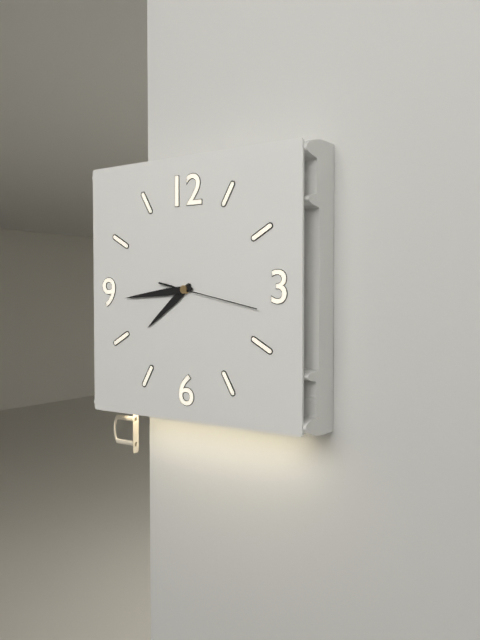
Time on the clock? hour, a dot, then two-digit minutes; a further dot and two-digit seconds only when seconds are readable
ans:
7.44.17
